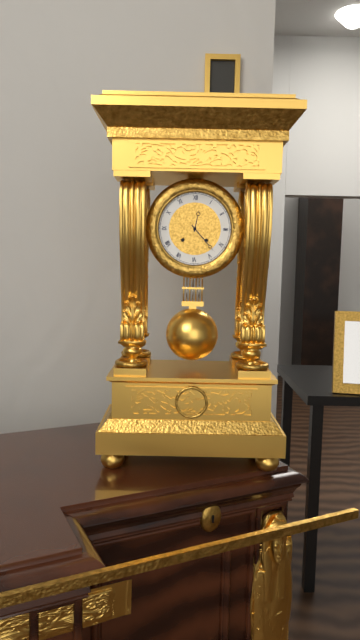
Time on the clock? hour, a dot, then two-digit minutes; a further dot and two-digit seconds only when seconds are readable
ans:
12.23
